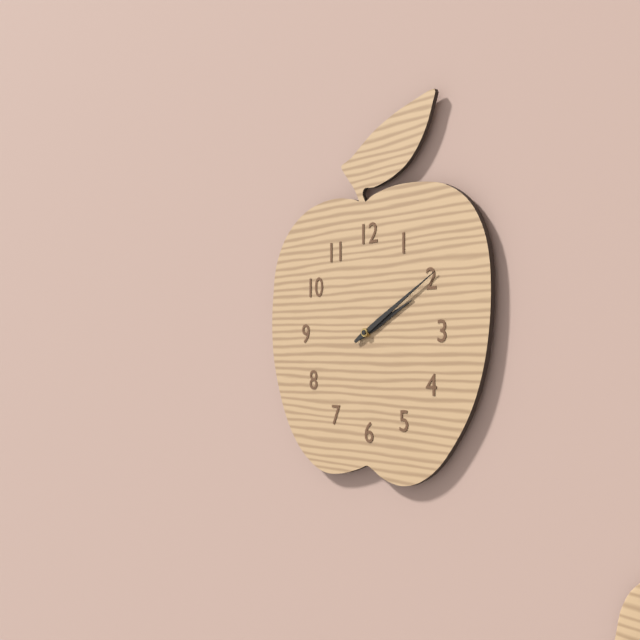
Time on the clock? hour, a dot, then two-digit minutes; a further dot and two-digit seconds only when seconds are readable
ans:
2.10
